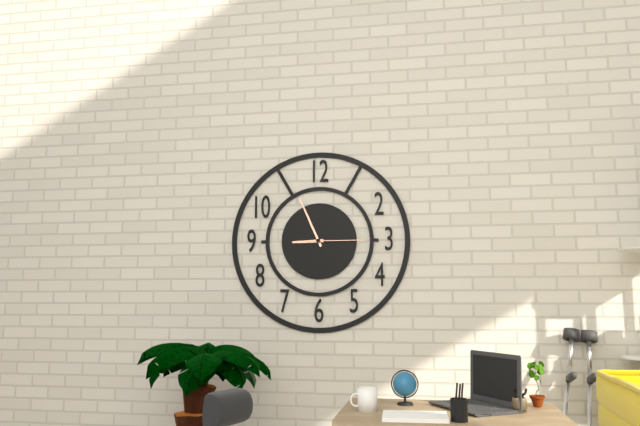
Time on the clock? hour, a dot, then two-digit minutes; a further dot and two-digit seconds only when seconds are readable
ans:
8.56.15
